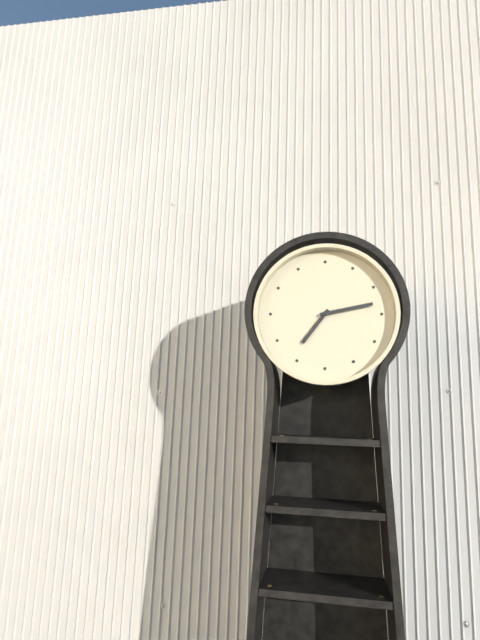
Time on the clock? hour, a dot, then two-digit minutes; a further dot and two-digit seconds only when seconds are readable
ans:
7.13
